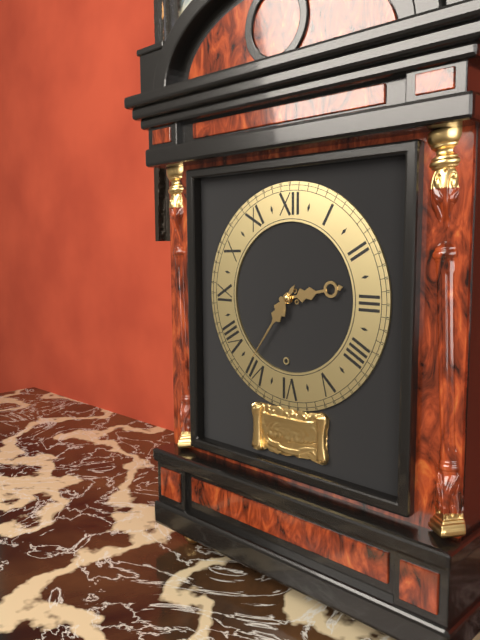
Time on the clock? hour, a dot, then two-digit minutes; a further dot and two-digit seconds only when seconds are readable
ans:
2.36
